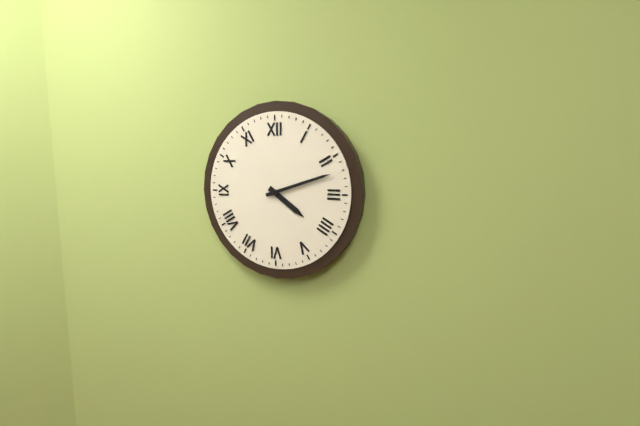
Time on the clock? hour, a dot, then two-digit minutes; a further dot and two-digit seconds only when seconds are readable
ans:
4.12
